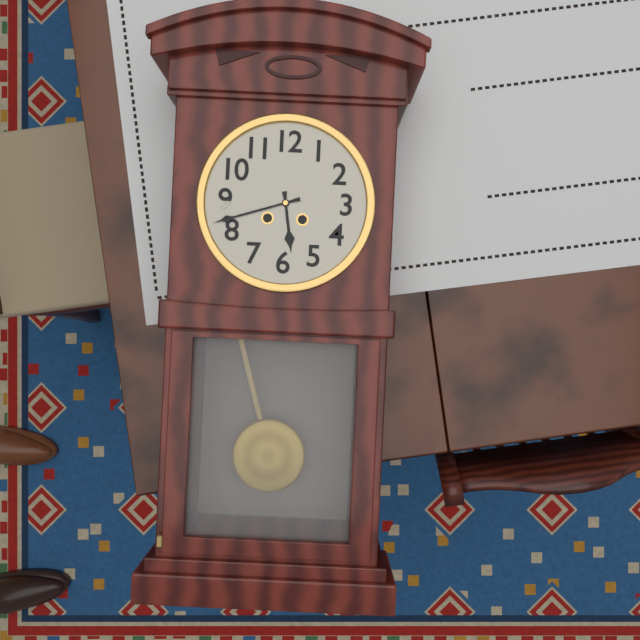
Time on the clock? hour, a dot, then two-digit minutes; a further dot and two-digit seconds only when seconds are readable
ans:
5.42
